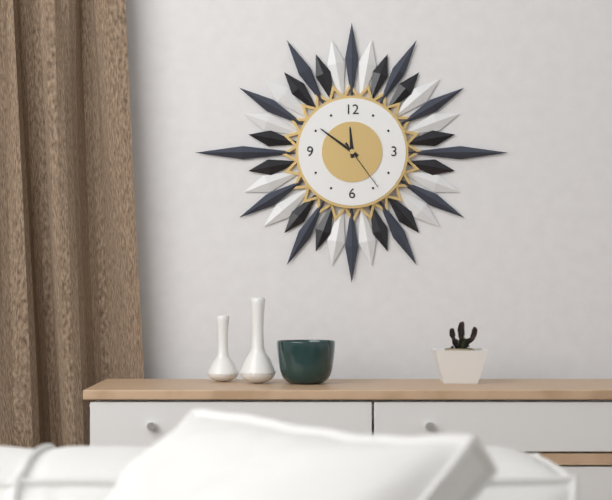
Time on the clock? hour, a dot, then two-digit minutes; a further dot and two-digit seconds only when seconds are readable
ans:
11.51.24
